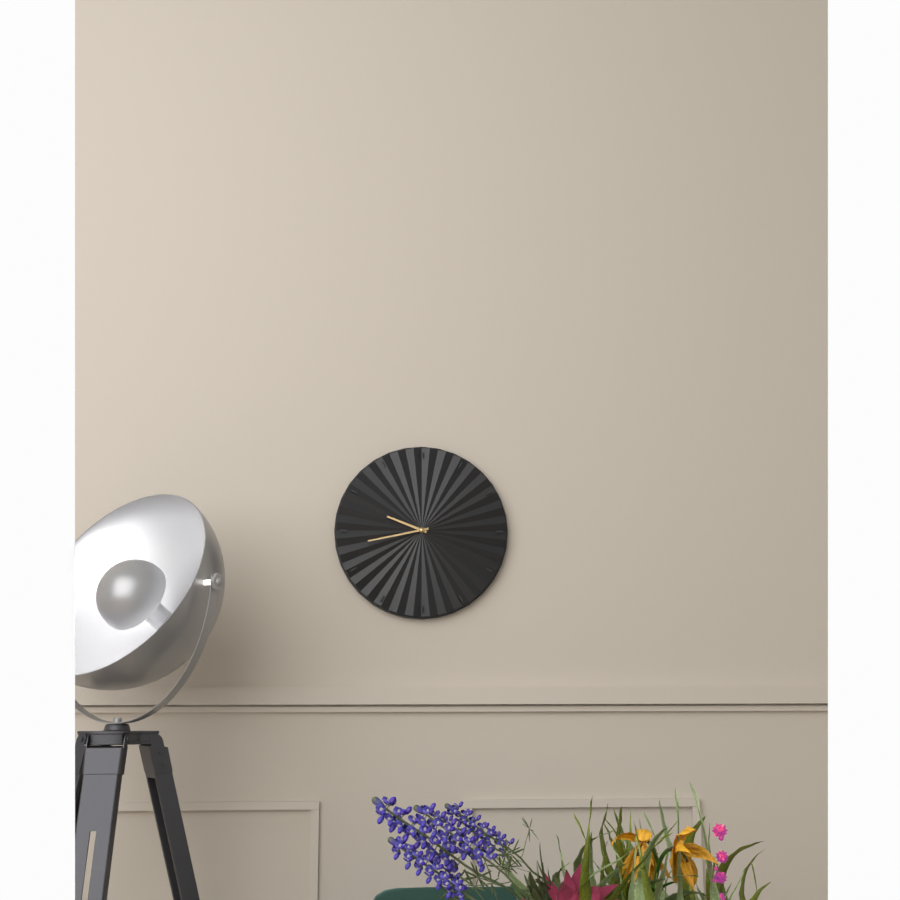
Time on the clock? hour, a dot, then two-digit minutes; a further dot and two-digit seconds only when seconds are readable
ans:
9.43
